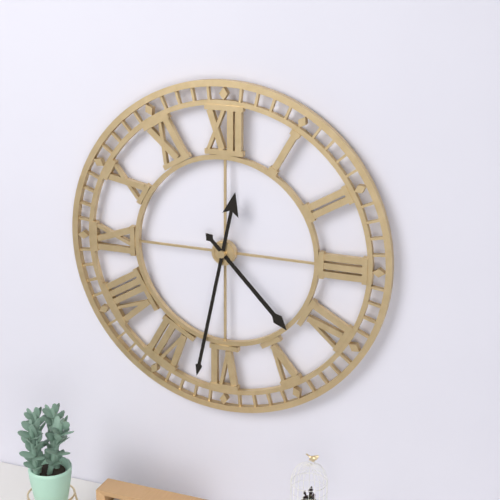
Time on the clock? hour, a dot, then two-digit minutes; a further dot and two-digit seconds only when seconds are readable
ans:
4.32
